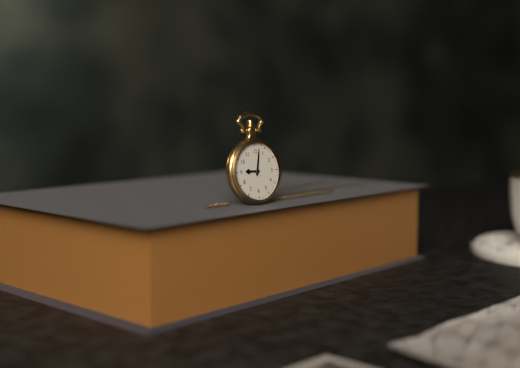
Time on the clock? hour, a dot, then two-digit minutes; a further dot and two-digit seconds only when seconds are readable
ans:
9.02
